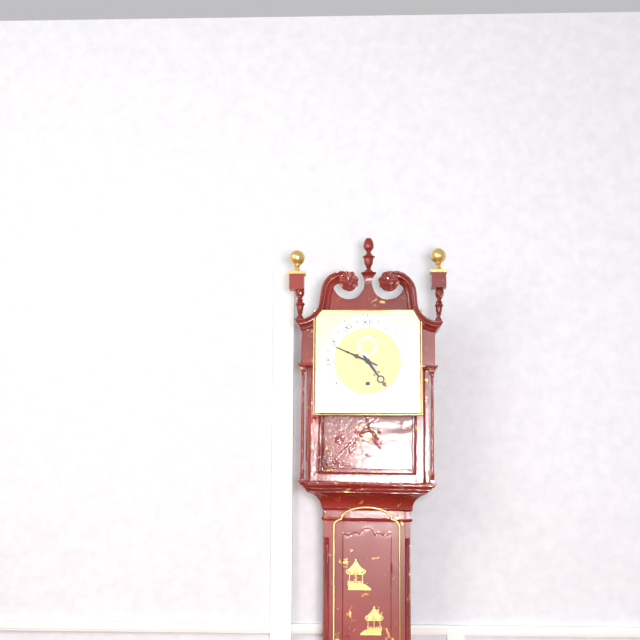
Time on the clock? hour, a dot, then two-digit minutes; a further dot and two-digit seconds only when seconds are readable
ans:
4.49
